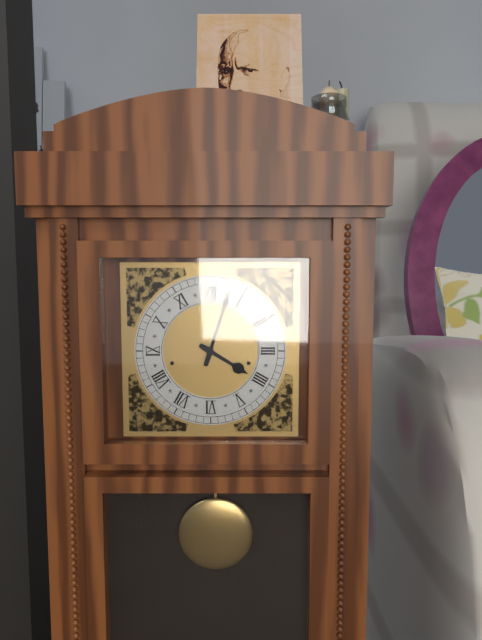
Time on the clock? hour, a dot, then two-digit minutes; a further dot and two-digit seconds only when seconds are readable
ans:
4.03
